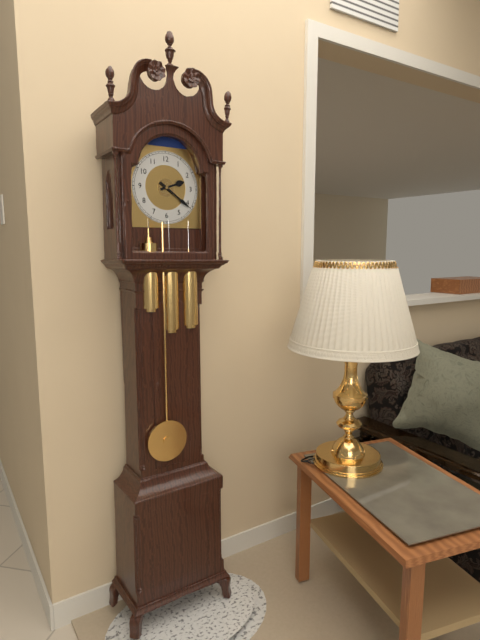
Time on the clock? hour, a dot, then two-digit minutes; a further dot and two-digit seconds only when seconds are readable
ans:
2.21
